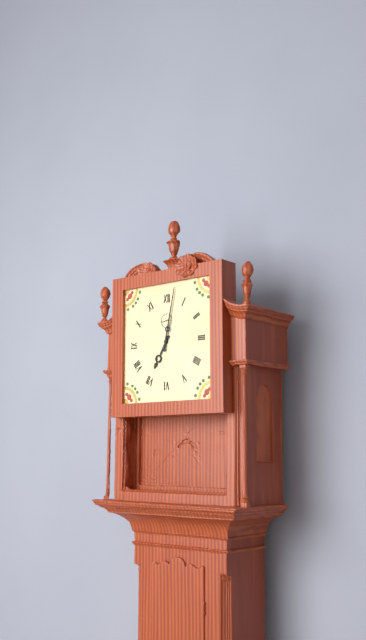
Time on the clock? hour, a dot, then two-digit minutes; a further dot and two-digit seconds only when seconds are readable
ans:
7.02
